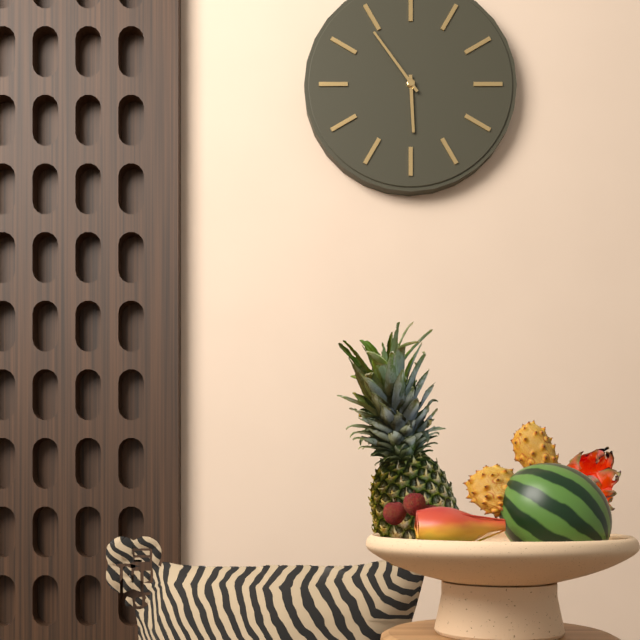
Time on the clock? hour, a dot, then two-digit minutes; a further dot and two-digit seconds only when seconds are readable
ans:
5.54
